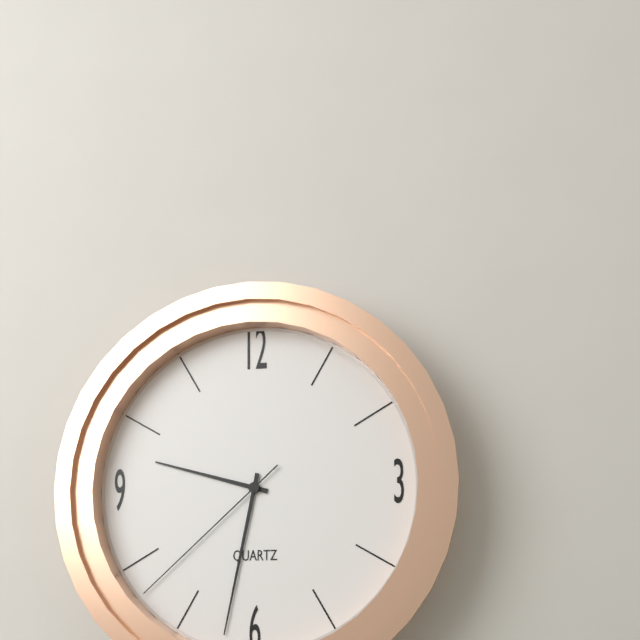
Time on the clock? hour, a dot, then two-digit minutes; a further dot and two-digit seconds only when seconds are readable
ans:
9.32.38
